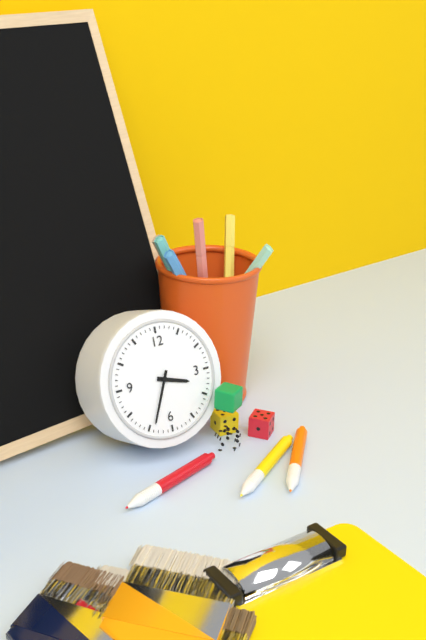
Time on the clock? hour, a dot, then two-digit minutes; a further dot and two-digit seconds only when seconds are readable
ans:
3.34
